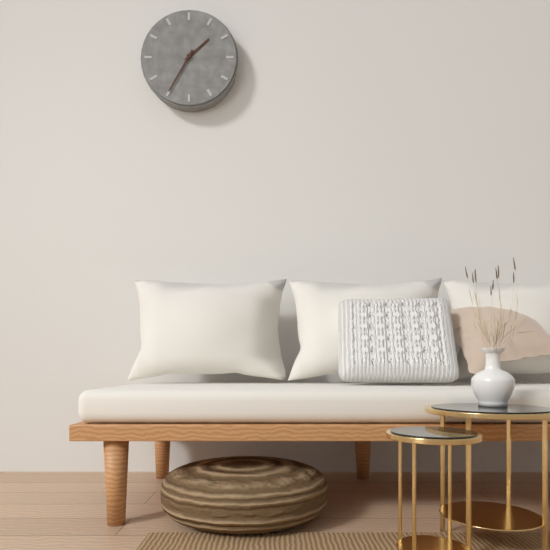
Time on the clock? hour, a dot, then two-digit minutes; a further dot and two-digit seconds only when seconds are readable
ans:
1.35
